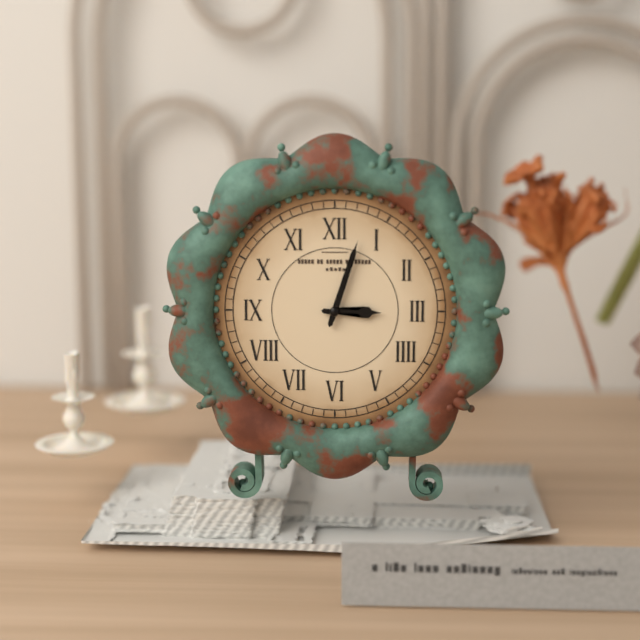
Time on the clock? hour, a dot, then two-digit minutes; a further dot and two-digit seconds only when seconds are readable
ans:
3.03
